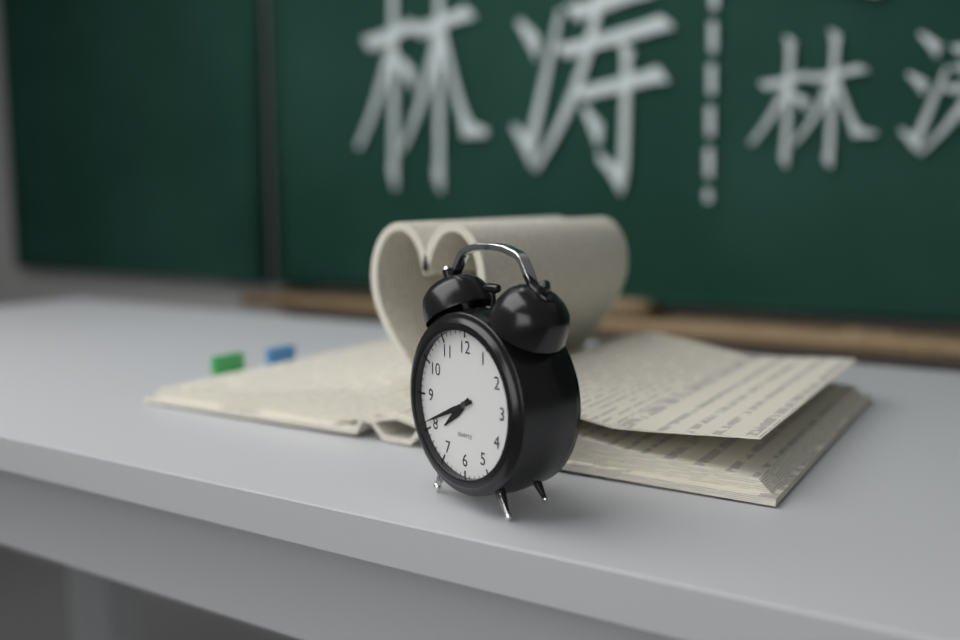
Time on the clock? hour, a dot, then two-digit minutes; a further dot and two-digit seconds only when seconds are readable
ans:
7.41
